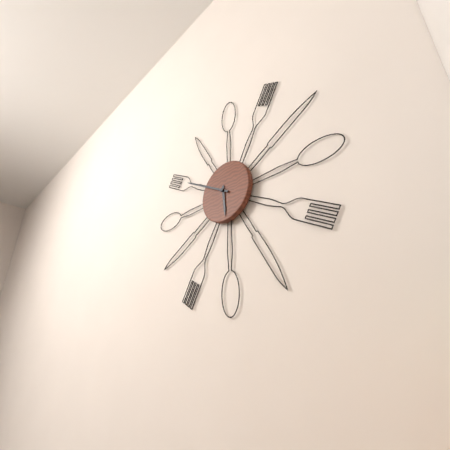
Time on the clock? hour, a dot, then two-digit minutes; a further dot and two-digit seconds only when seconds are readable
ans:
5.50
